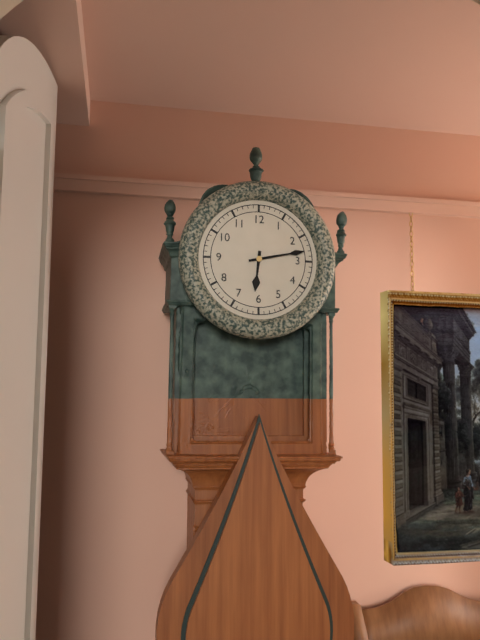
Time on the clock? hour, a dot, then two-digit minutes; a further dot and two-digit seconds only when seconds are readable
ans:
6.13
